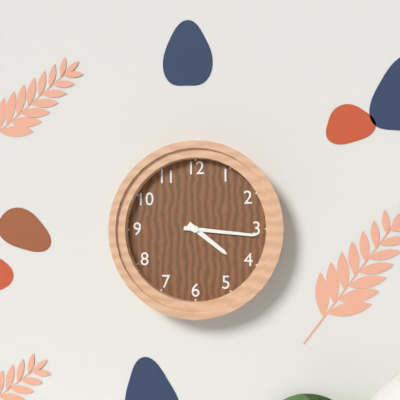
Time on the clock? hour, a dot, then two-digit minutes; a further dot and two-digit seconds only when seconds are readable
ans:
4.16
